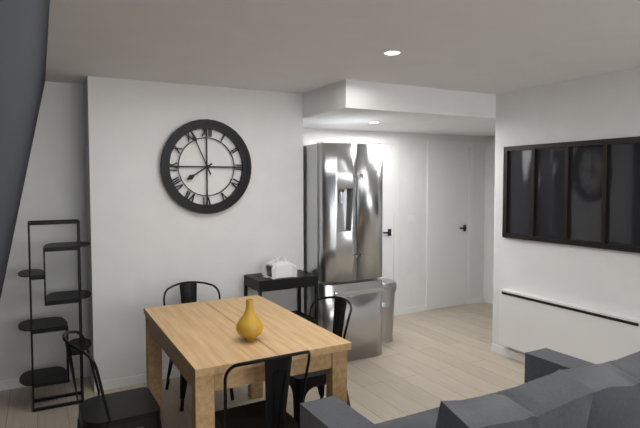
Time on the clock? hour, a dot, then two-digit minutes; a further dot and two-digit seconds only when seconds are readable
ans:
7.56
